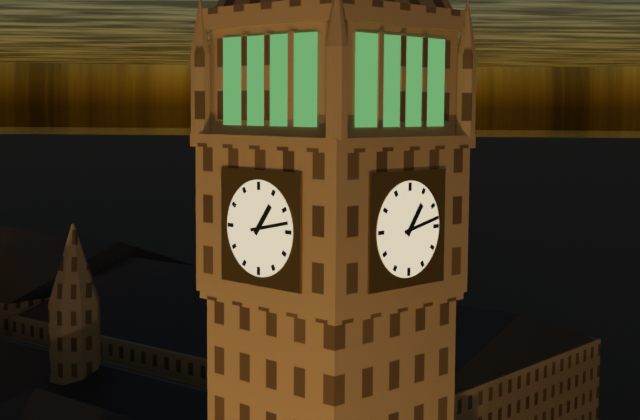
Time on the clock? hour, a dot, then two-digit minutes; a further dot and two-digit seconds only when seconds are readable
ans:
1.13
